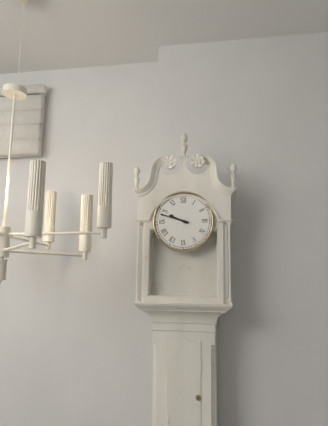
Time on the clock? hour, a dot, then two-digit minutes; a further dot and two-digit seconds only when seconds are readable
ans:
9.48
